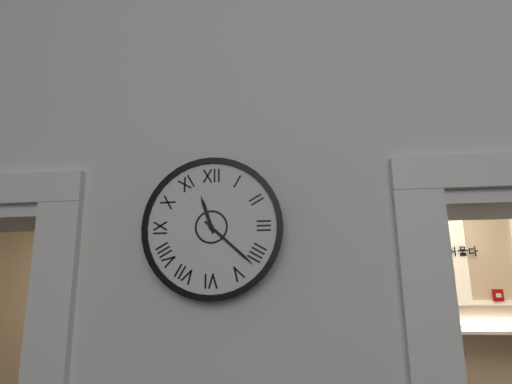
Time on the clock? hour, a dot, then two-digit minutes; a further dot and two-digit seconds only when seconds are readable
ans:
11.22
